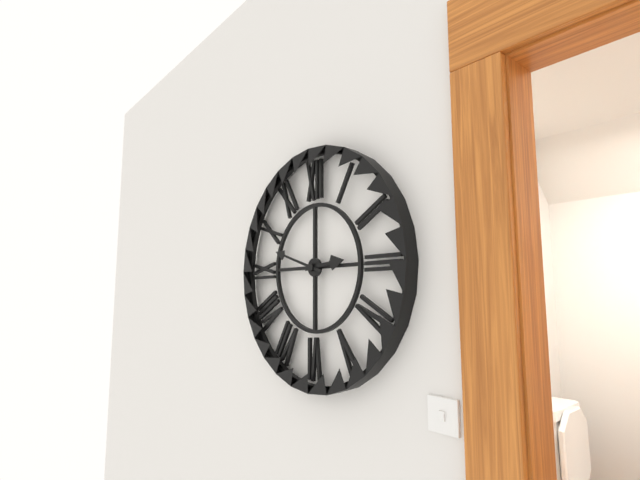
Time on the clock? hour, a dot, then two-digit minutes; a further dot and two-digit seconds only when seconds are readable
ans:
2.48
